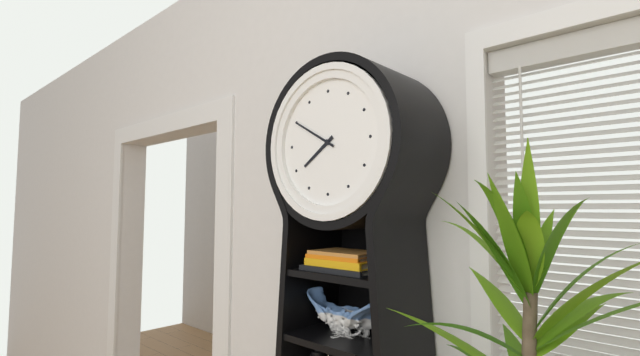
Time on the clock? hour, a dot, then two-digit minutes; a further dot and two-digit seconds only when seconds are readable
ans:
7.50
